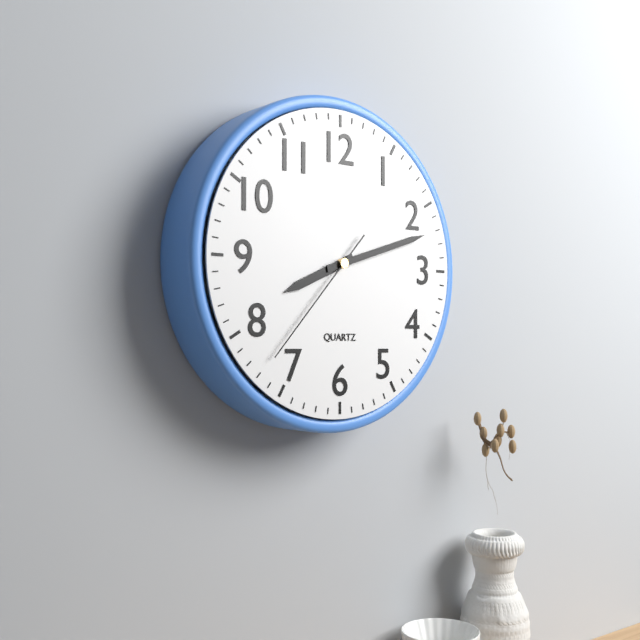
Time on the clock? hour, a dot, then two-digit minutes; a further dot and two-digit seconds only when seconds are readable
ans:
8.12.37
